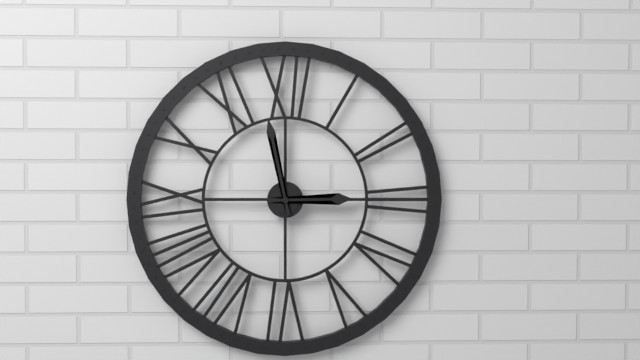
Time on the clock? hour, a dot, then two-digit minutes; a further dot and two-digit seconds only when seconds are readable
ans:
2.58
